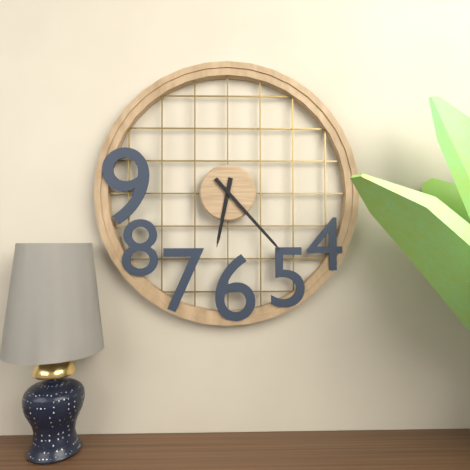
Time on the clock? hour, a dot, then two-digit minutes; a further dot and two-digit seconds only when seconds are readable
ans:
6.23
